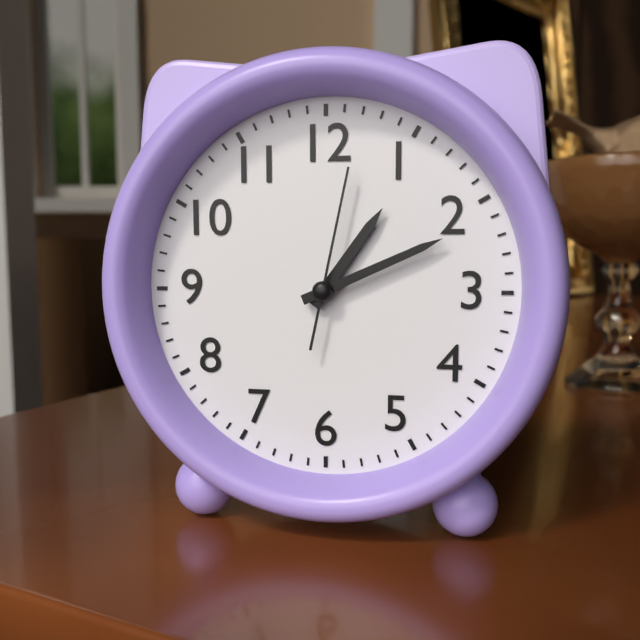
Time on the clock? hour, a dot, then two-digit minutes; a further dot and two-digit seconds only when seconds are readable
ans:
1.11.02
